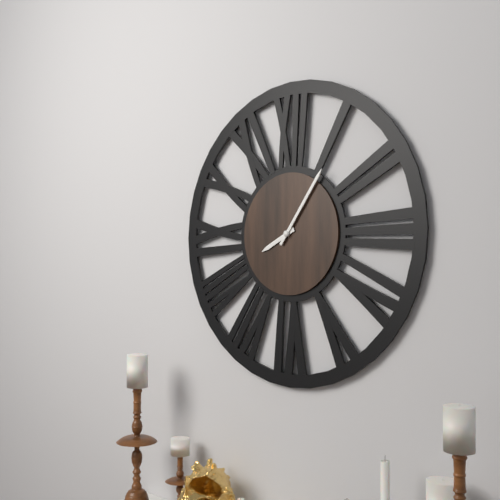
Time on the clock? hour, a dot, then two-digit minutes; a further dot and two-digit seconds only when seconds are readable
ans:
8.06
